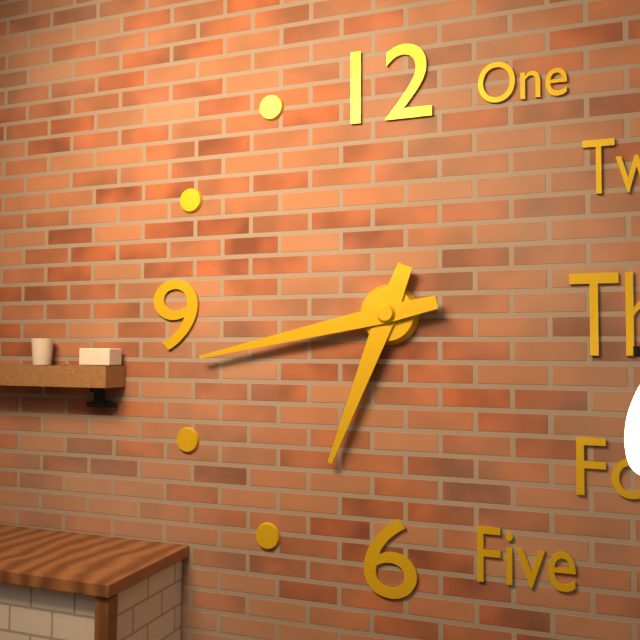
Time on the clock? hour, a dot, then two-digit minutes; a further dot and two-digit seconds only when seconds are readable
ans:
6.43
